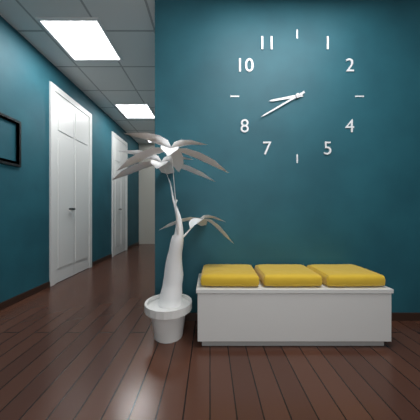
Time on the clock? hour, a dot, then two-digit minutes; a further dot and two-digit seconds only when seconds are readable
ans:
8.40
